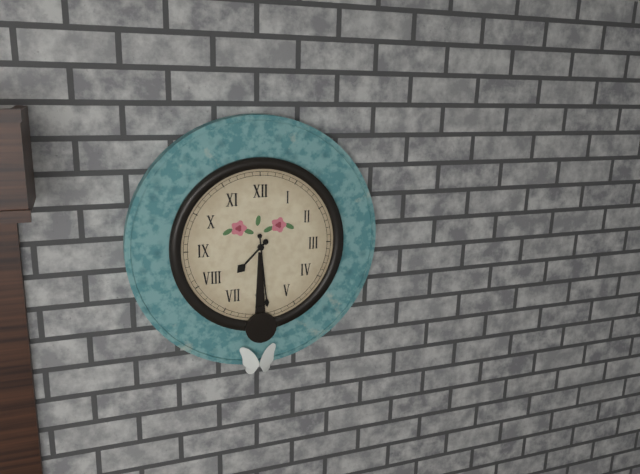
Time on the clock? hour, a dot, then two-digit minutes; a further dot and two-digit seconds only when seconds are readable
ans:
7.29
